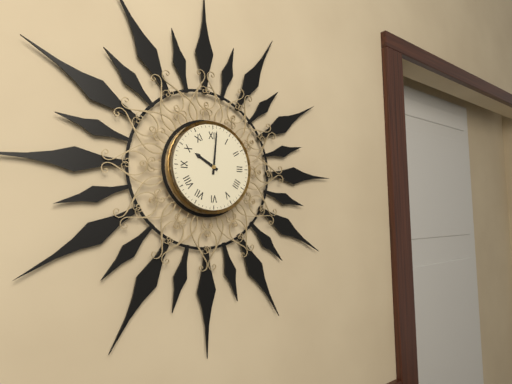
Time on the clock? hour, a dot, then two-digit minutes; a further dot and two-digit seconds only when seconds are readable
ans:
10.01
